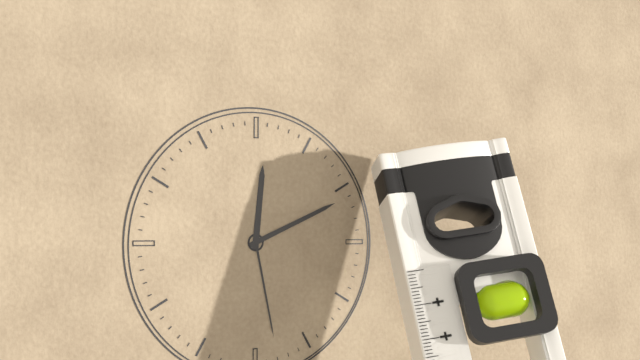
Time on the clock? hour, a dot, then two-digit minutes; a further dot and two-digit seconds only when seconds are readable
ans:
12.11.28
